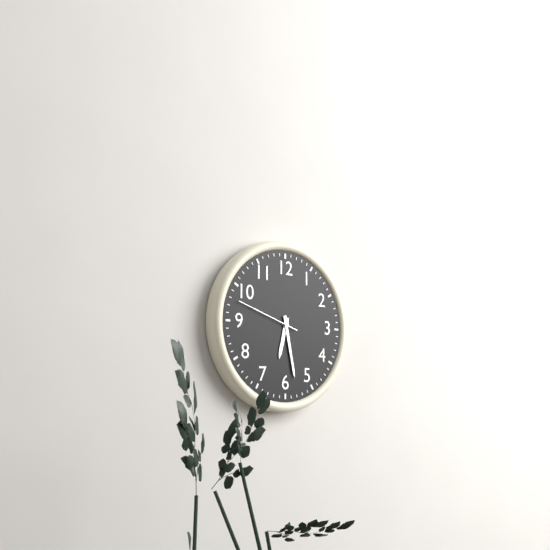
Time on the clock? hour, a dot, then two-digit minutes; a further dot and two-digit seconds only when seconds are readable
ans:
6.28.48
